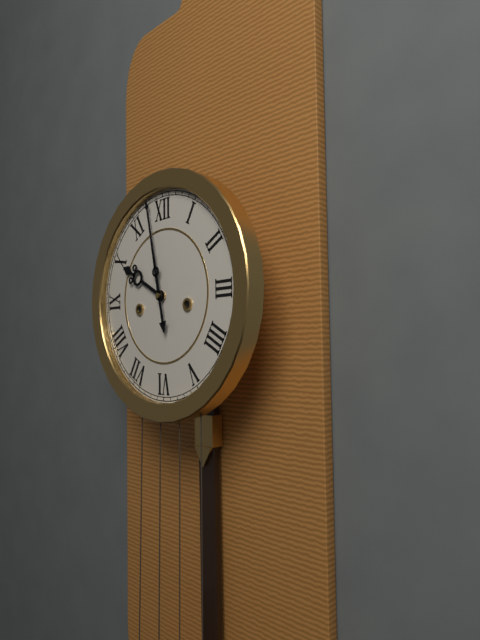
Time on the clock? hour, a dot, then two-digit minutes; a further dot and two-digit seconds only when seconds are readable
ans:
9.58
